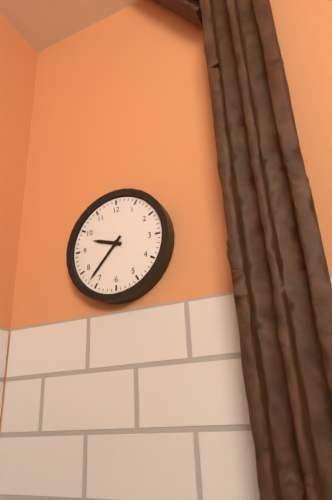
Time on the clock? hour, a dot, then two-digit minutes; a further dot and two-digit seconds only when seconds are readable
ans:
9.37
